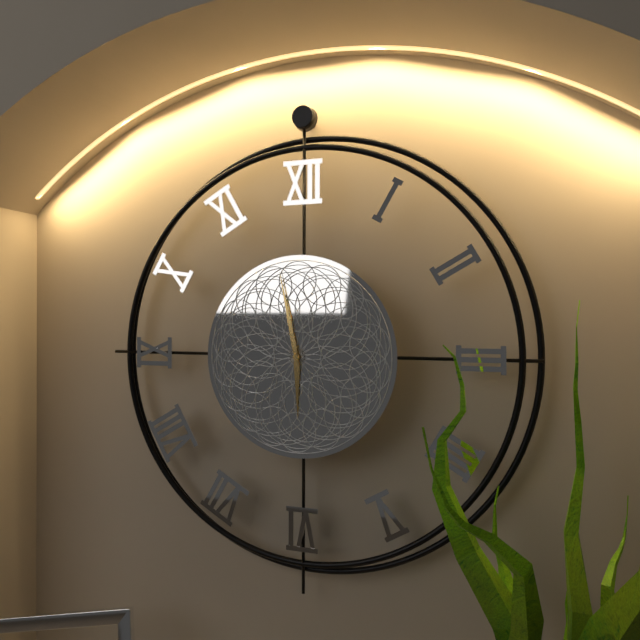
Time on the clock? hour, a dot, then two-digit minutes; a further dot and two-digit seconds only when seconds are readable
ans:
5.58
